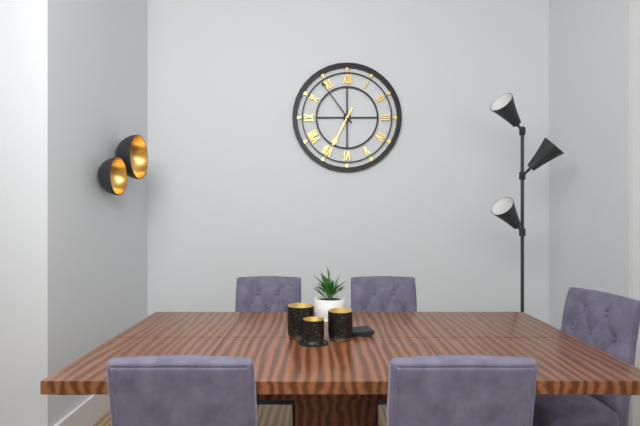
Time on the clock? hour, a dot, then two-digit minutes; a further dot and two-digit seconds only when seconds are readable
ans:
6.54
